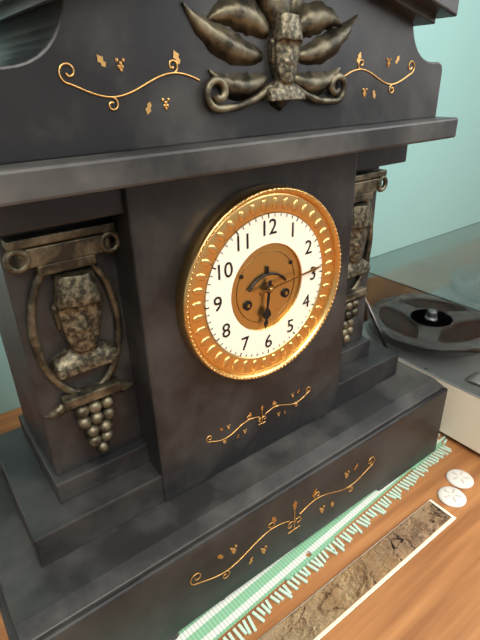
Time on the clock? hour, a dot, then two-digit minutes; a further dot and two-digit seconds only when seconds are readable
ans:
6.14
